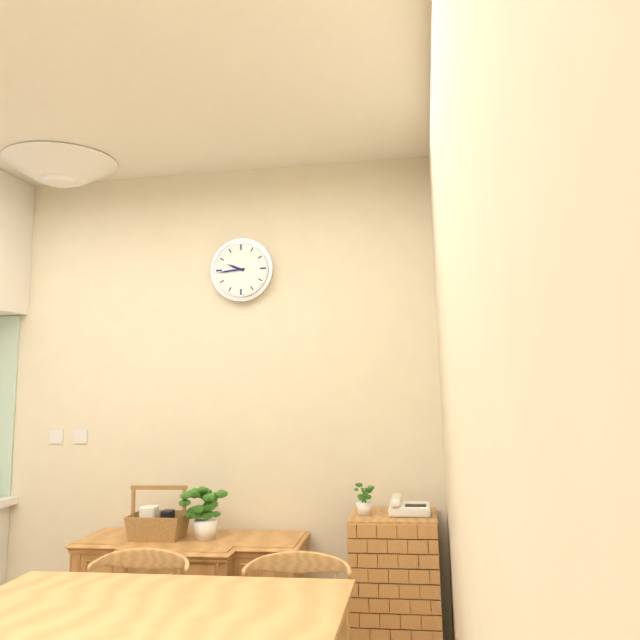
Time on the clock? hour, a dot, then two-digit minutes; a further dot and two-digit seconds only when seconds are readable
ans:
9.44
